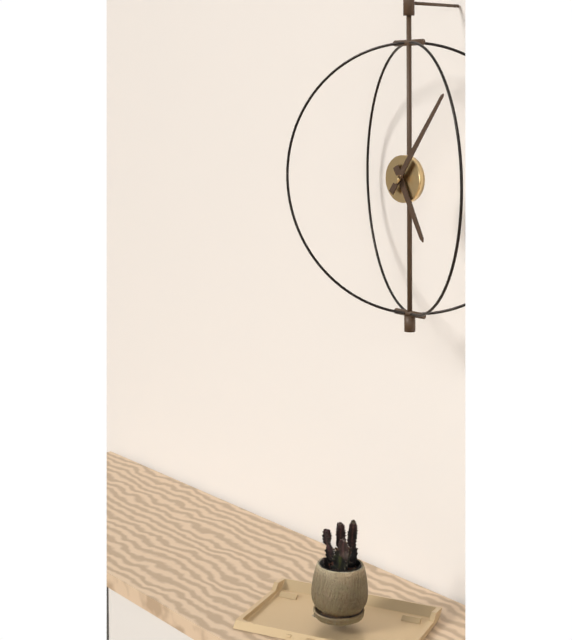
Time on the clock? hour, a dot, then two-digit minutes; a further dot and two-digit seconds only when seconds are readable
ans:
5.06
